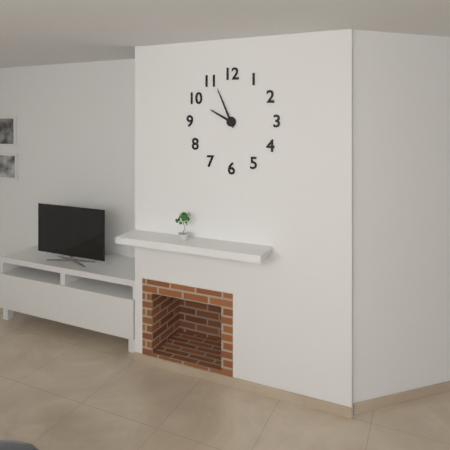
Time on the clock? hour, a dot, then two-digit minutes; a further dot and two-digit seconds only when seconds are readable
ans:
9.56
